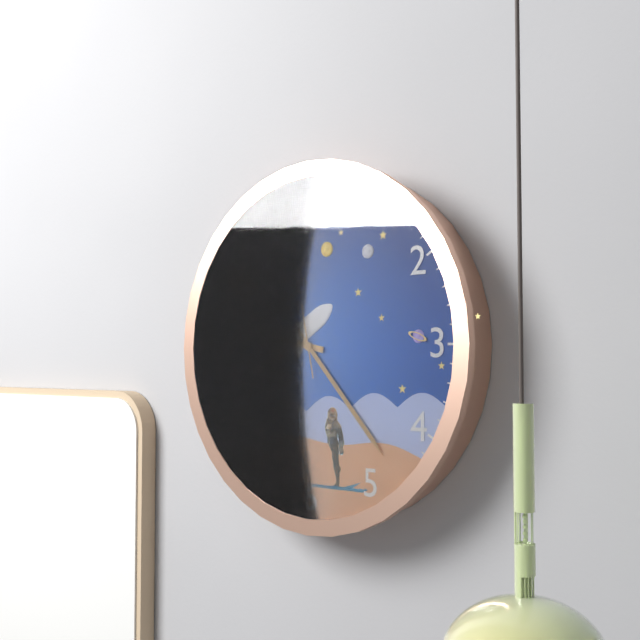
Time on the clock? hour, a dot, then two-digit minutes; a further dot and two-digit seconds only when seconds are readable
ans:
9.23.58
